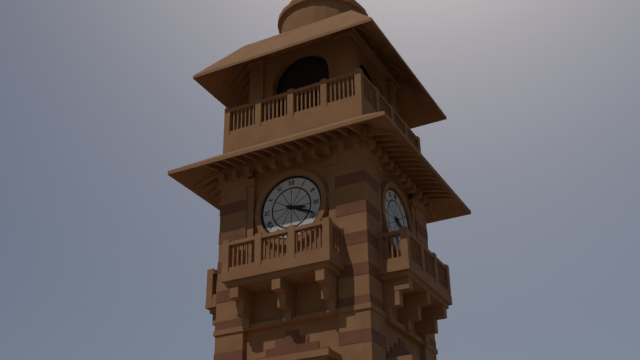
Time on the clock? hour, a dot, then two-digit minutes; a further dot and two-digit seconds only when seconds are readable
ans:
3.19
